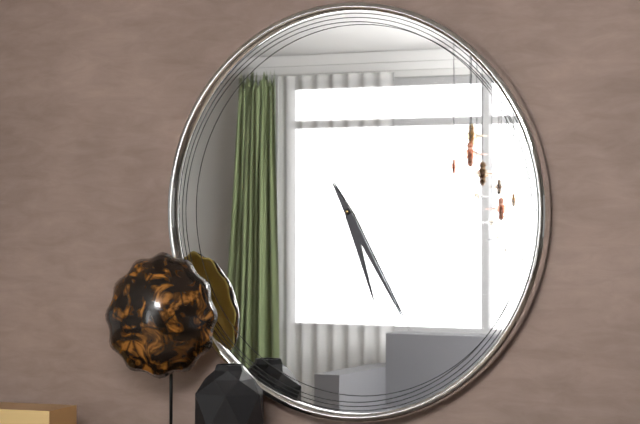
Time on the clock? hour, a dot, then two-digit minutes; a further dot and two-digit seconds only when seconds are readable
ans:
5.25
